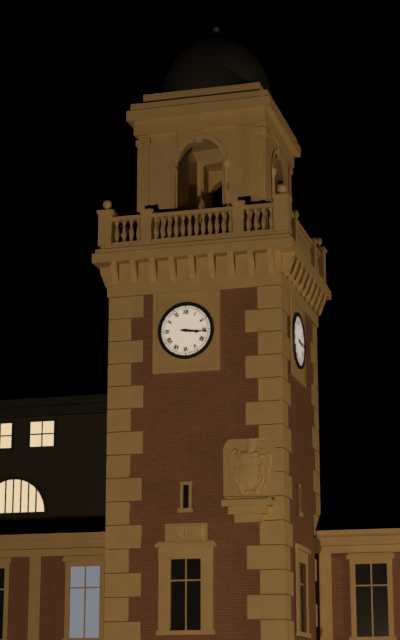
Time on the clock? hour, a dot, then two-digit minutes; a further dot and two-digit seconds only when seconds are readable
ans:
3.16
